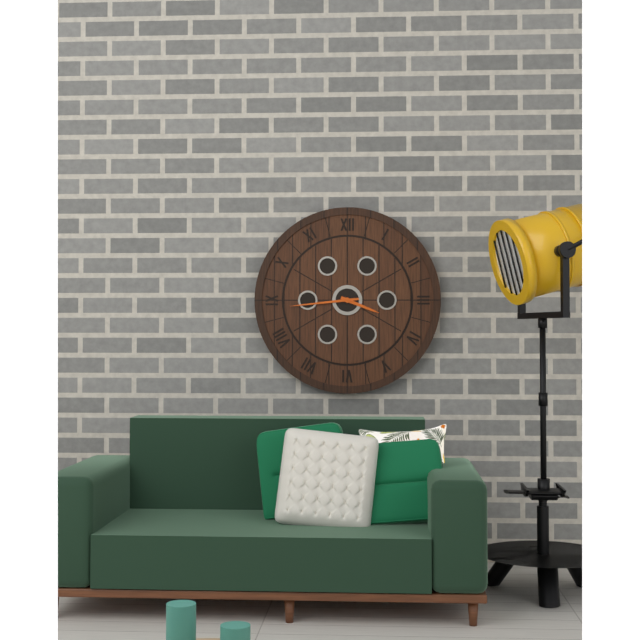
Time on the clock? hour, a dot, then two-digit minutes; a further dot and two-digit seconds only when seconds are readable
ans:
3.44
